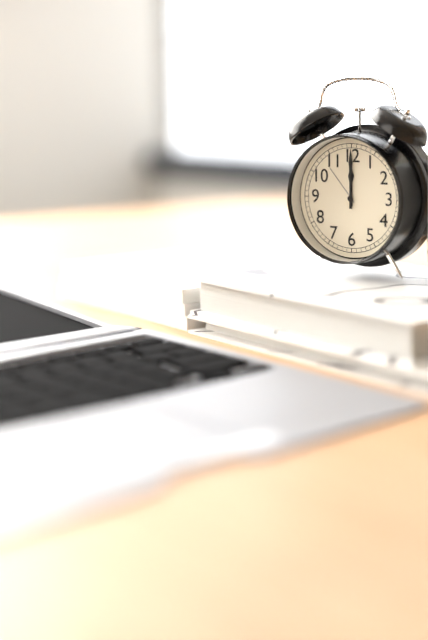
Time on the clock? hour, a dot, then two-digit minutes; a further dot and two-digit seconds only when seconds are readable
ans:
12.00
